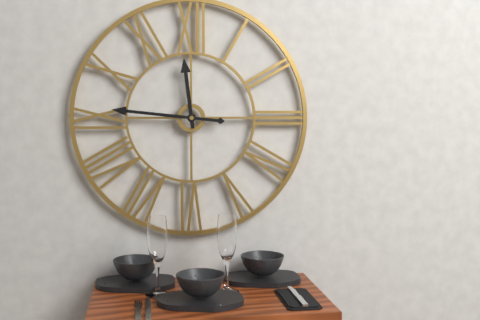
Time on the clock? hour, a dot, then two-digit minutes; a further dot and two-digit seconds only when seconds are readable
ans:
11.46
